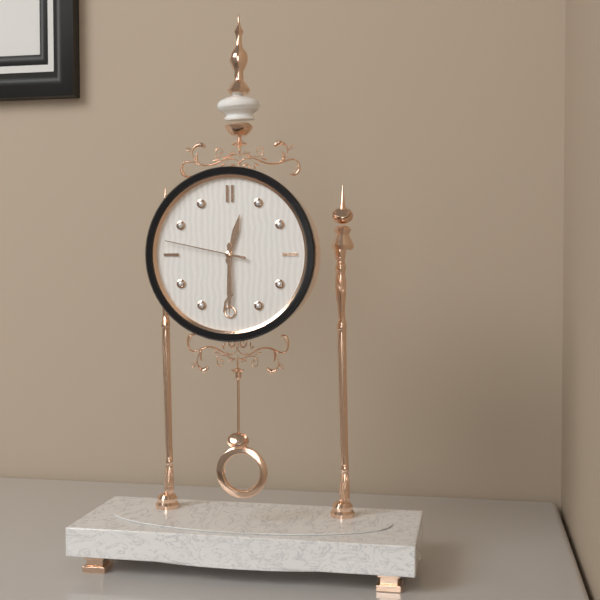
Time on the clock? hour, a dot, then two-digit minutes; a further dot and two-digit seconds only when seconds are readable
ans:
12.30.47
